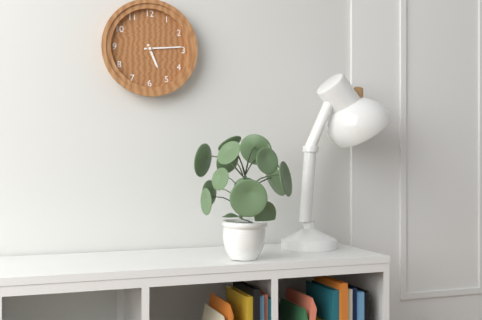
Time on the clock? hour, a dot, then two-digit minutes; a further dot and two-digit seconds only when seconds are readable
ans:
5.14
